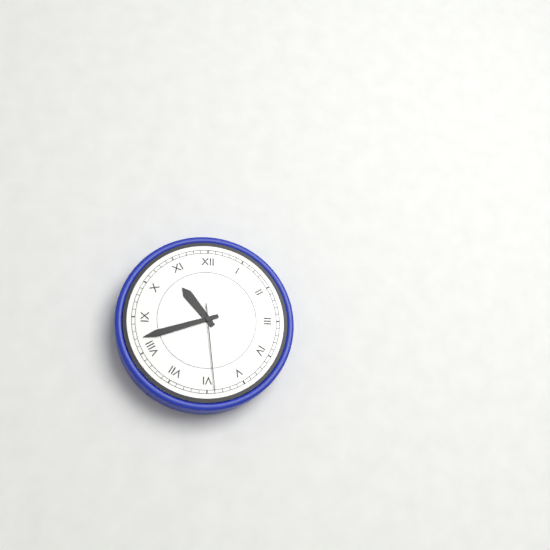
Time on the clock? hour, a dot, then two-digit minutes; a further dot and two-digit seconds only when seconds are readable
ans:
10.42.29
